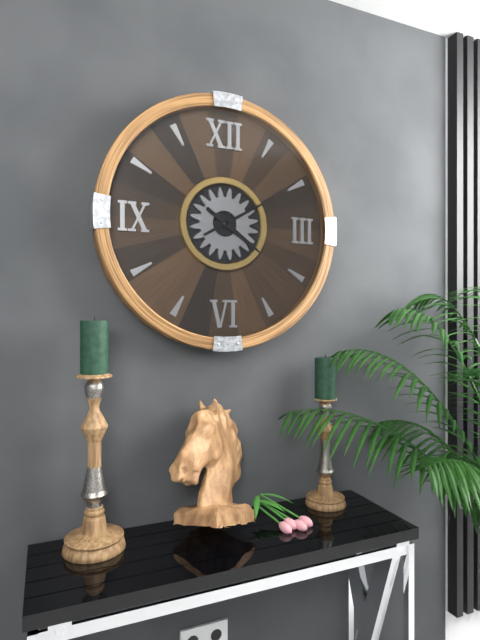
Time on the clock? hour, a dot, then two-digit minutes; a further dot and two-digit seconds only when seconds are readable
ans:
4.10
